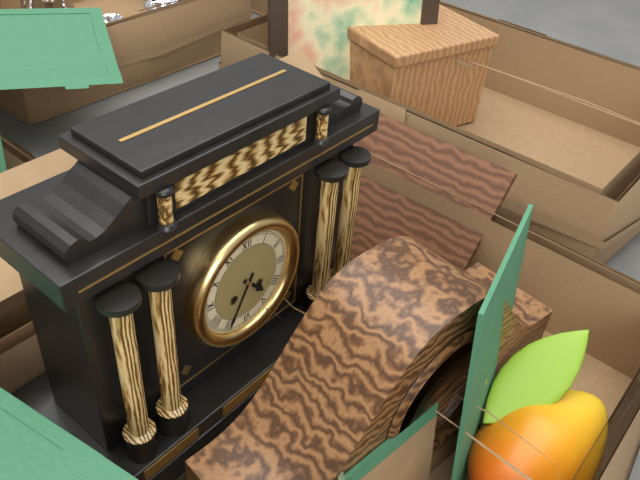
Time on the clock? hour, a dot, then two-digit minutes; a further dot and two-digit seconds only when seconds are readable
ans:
4.35
